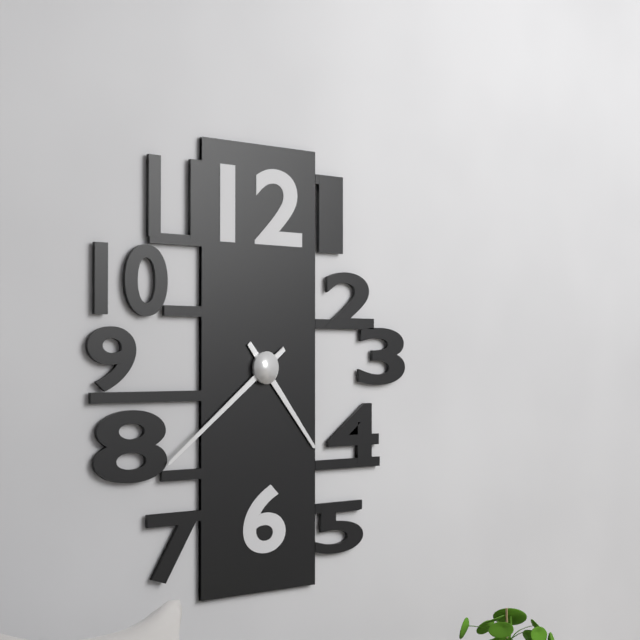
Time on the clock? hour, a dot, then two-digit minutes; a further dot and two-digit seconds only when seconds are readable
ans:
4.39
